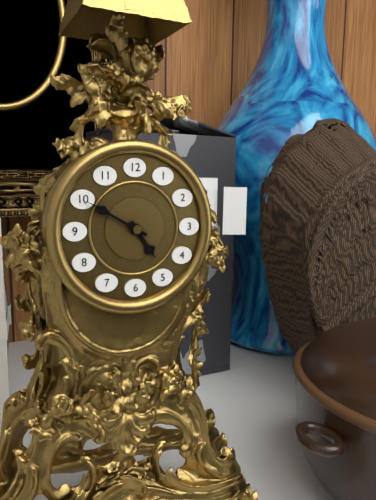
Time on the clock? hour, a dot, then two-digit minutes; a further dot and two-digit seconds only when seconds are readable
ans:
4.50
